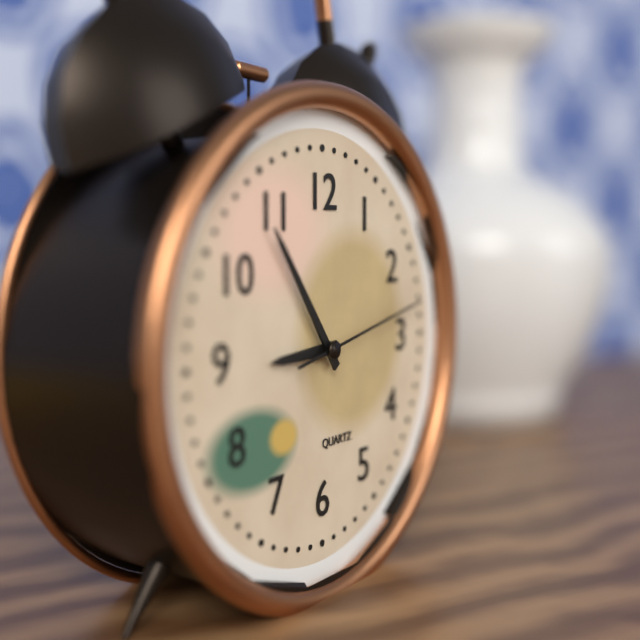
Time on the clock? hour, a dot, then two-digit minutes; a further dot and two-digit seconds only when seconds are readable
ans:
8.54.13
